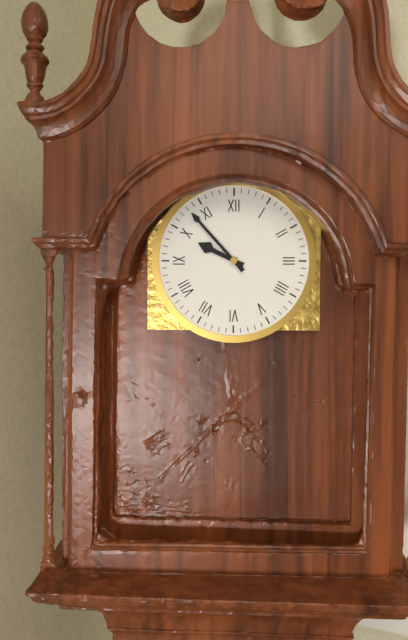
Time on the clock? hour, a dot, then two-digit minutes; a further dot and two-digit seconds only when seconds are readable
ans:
9.53
